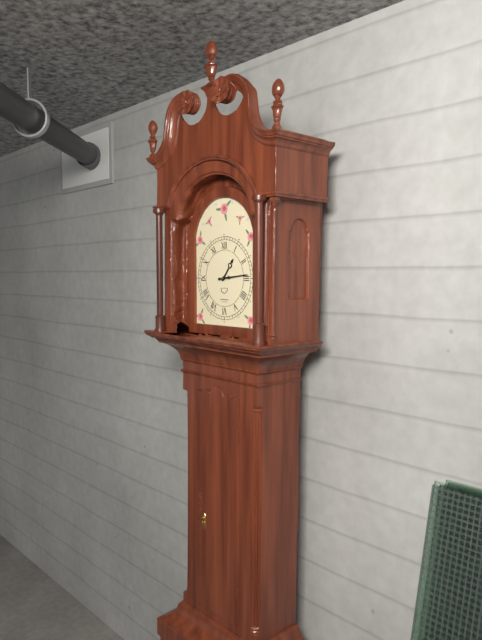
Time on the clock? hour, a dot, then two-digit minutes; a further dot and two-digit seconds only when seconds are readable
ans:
1.14
